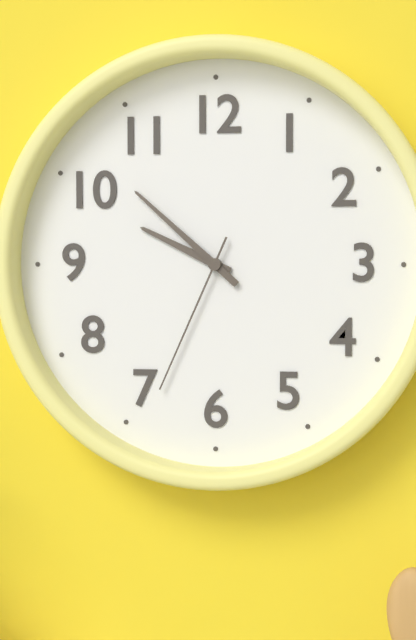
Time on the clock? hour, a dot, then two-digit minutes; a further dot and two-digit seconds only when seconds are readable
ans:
9.52.34
